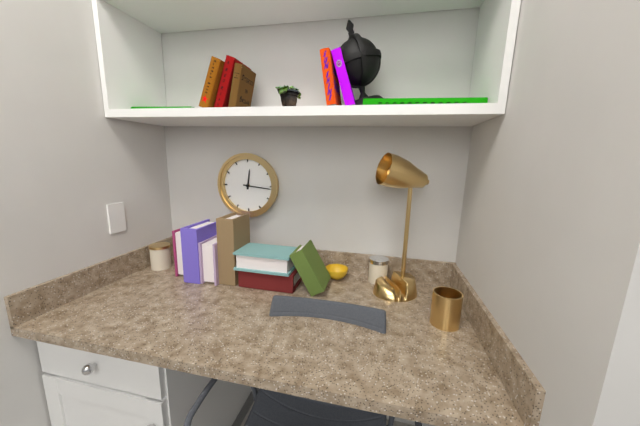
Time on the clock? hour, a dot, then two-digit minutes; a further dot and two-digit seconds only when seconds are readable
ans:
12.16
